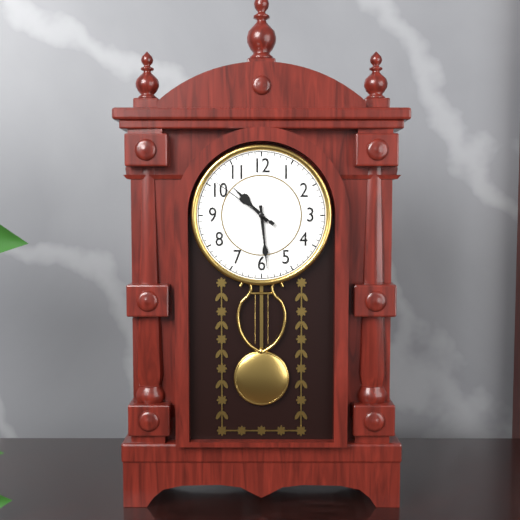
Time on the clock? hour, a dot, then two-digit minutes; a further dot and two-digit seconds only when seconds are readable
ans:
10.29.51
